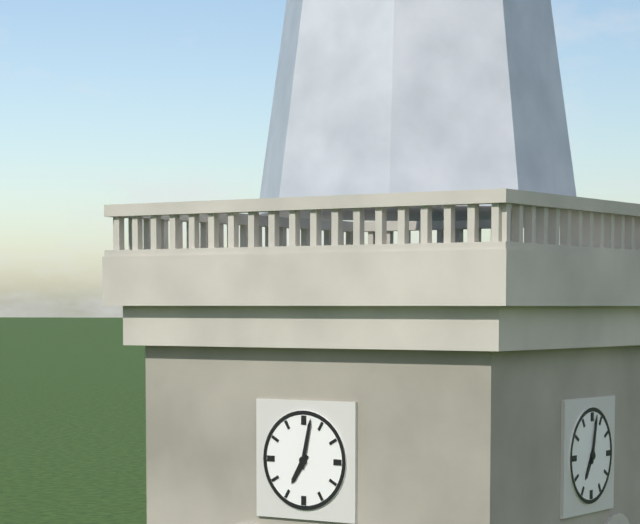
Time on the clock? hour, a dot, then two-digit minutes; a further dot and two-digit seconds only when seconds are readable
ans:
7.02
